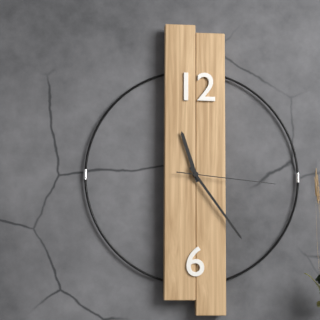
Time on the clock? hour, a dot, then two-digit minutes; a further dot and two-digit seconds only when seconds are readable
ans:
11.24.16
